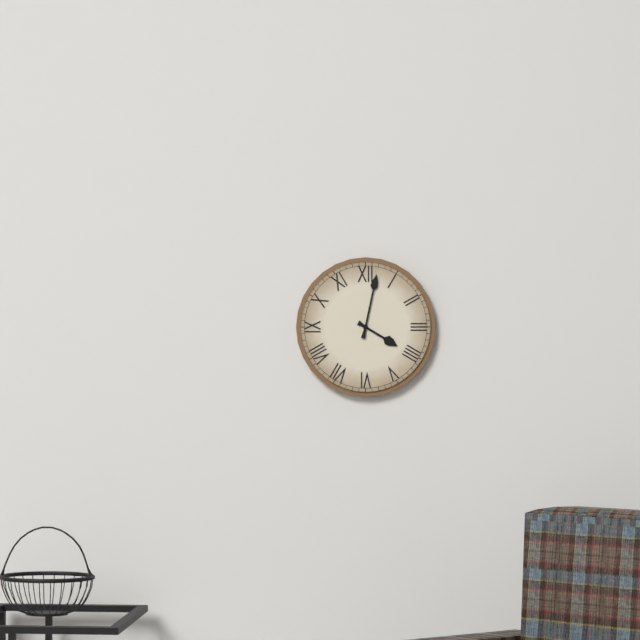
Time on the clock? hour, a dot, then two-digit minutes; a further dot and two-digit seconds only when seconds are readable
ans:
4.02
